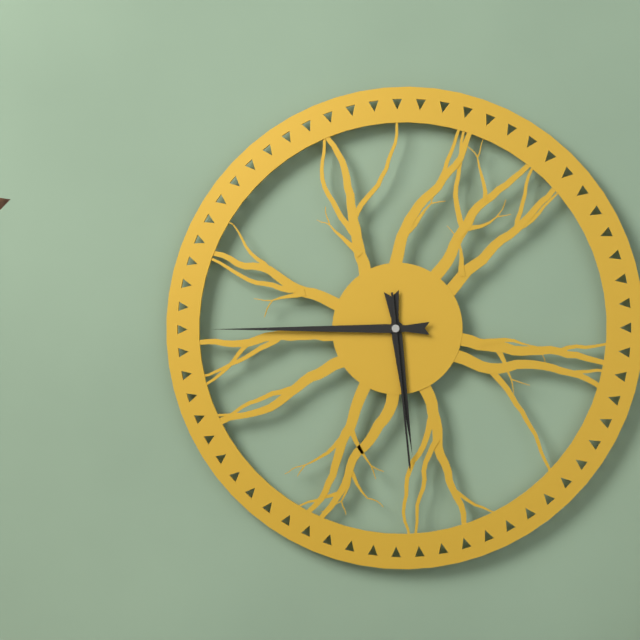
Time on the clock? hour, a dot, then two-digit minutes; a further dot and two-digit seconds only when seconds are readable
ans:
5.45.29
